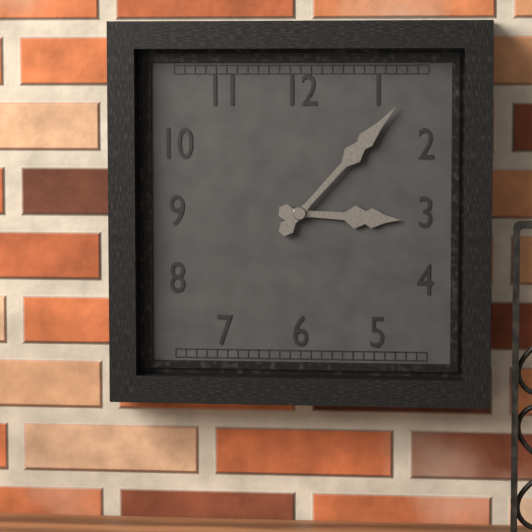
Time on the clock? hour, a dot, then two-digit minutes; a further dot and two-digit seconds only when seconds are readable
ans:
3.07
